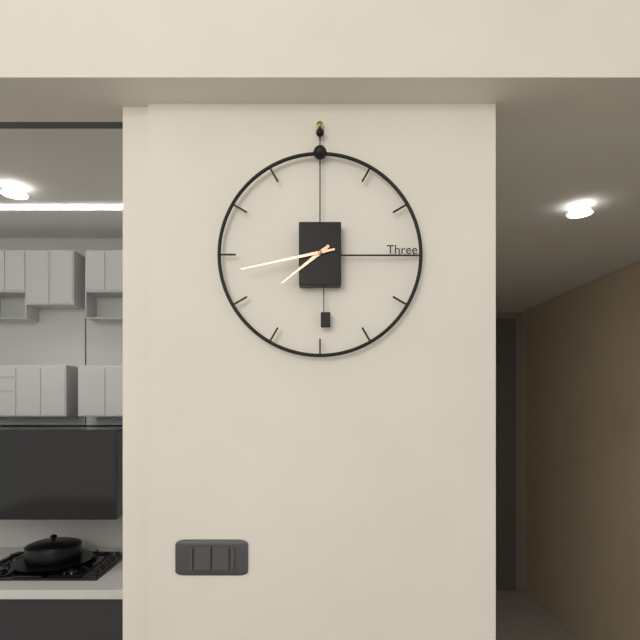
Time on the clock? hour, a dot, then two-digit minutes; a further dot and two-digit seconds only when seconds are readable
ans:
7.43
